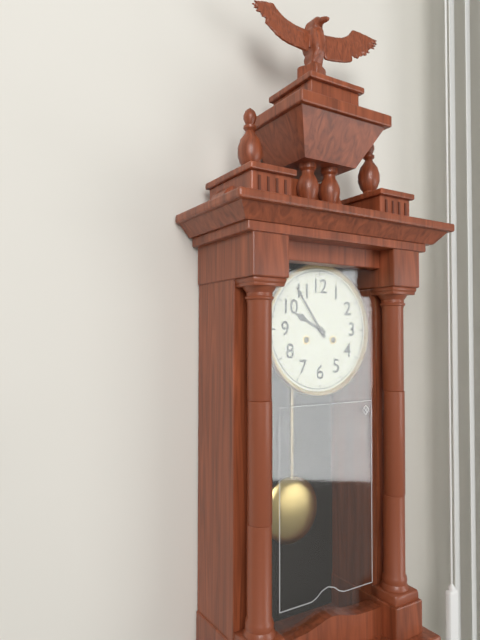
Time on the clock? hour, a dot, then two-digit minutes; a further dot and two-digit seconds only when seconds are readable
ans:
9.54
